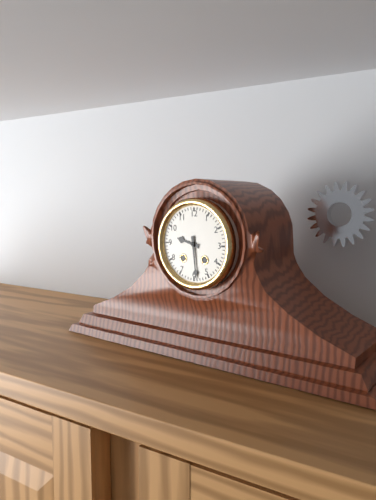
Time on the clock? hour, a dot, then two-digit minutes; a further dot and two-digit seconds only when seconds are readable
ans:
9.29
